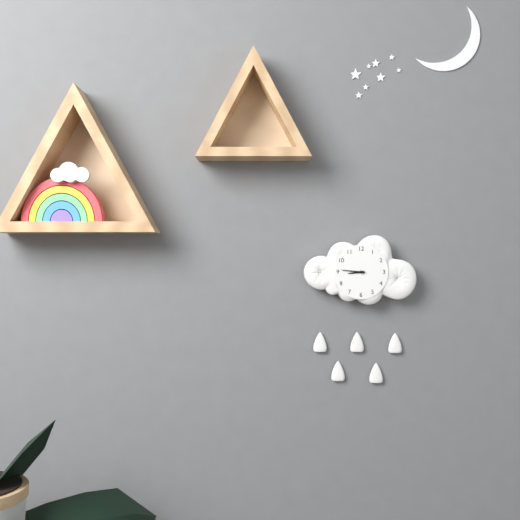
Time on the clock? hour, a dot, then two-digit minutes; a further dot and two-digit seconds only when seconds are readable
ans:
8.46
